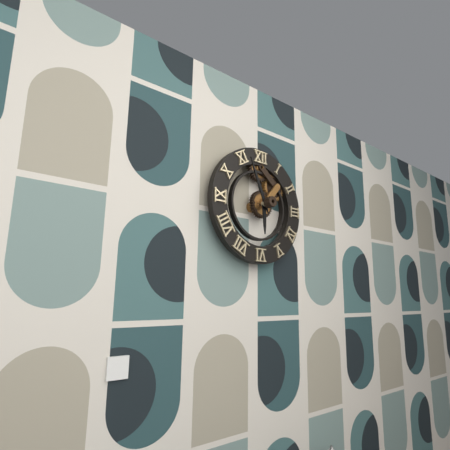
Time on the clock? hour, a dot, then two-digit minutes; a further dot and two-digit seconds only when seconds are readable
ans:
5.56
